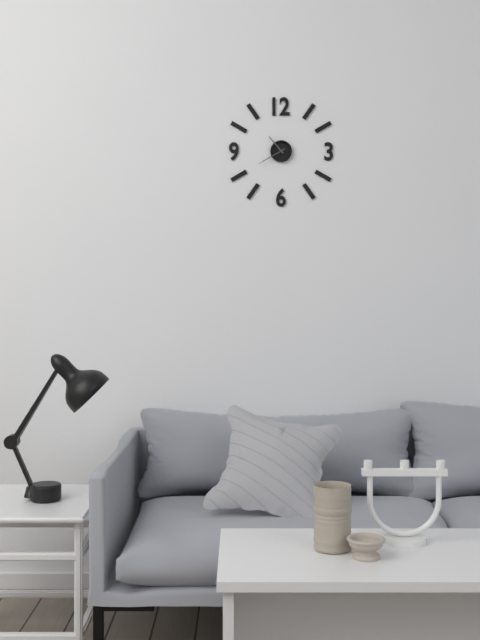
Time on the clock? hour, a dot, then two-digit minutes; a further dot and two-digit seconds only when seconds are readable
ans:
10.40
